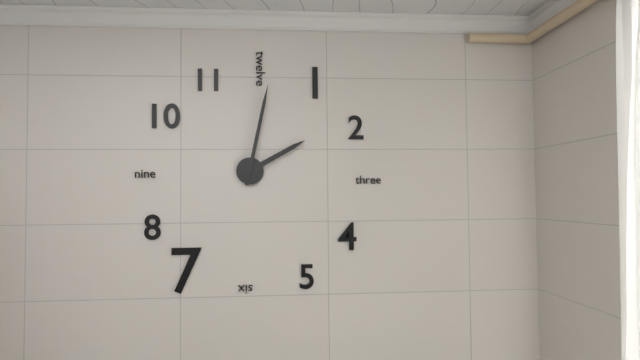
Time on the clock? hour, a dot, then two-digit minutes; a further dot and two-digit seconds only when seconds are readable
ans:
2.02
